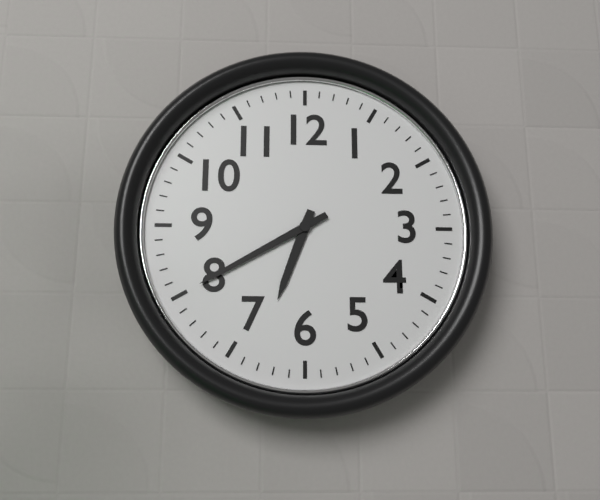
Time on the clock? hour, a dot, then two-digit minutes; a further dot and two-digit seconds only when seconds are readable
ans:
6.40
